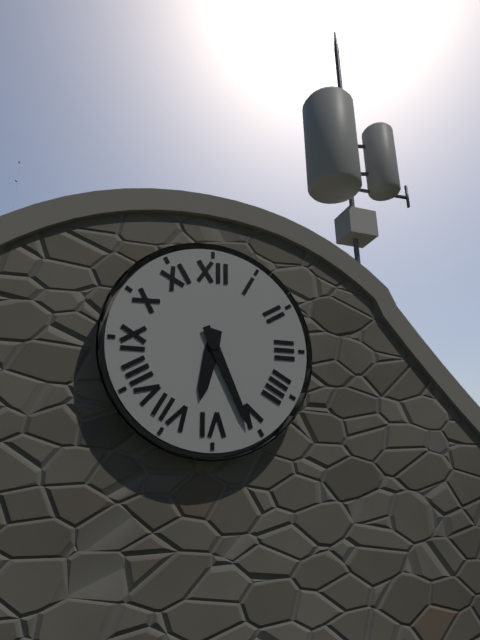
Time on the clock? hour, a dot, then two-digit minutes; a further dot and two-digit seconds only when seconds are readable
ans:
6.26
